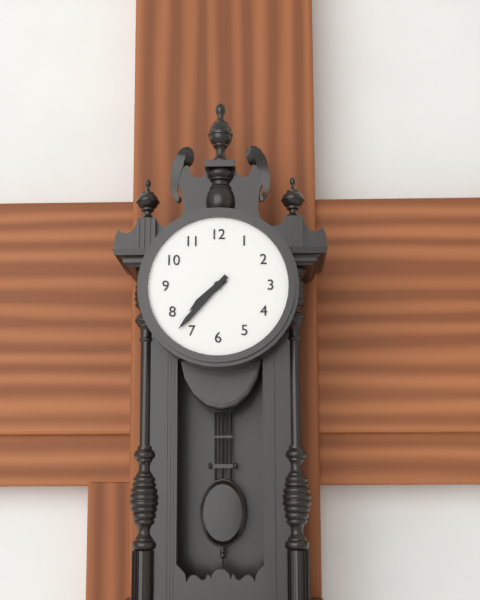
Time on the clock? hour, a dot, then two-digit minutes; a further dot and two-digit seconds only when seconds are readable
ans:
7.37
